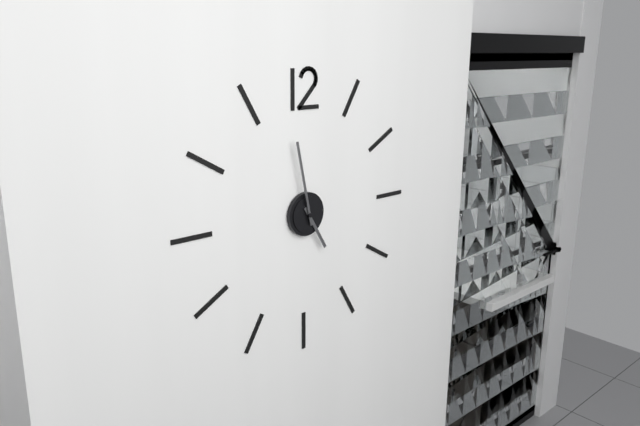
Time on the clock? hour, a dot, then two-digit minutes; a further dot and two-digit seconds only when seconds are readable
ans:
4.58
